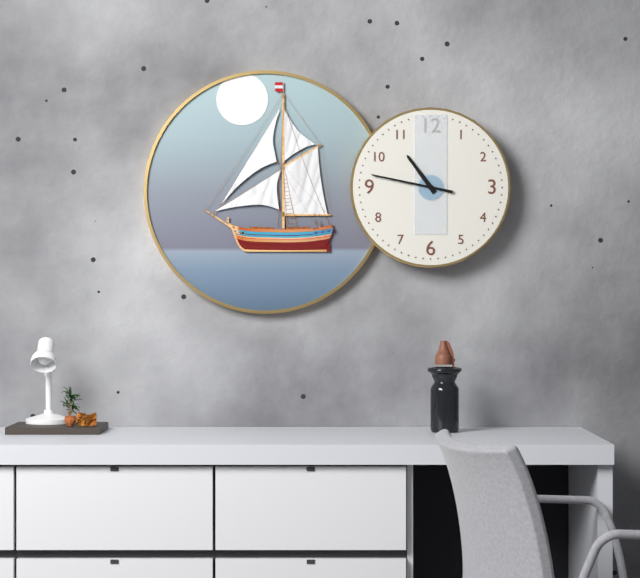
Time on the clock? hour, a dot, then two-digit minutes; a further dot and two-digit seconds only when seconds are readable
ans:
10.47
